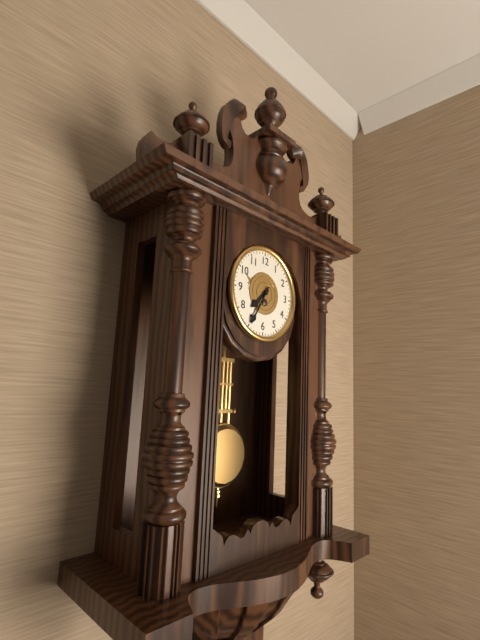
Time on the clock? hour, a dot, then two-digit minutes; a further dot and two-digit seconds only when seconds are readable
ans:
7.35
